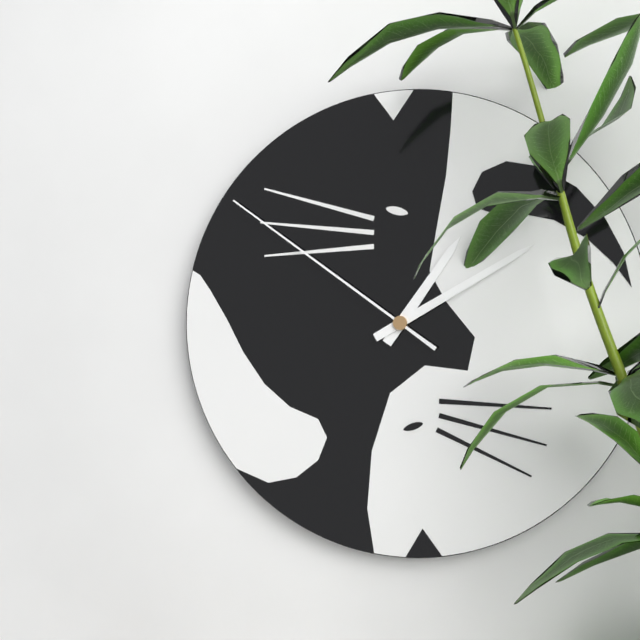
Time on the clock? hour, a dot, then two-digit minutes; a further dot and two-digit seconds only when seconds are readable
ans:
1.10.51
